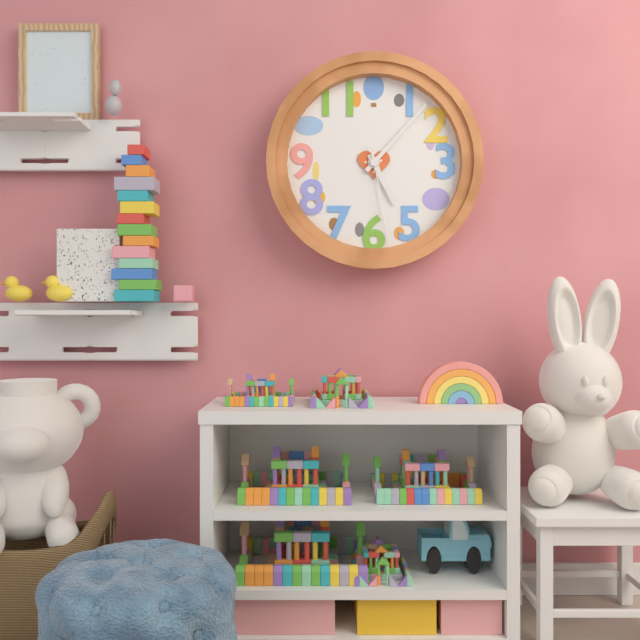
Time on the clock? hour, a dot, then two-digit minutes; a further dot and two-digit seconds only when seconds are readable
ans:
5.07.28
